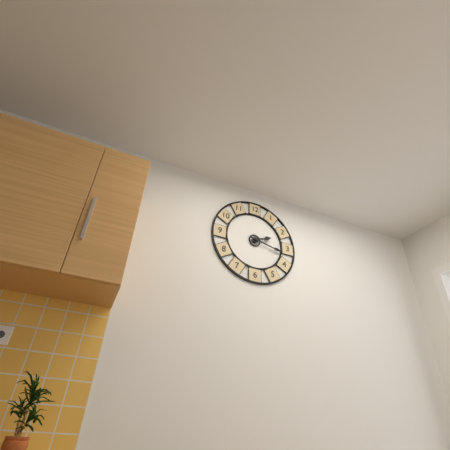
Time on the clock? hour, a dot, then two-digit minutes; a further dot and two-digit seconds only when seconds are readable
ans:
2.17
